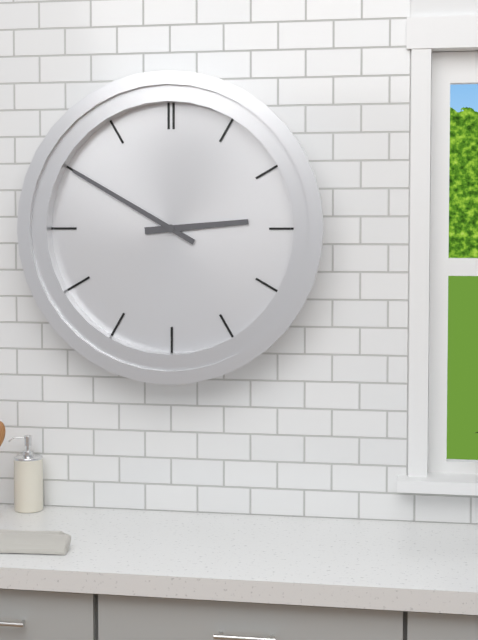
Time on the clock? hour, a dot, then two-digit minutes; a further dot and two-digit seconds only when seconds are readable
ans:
2.50
